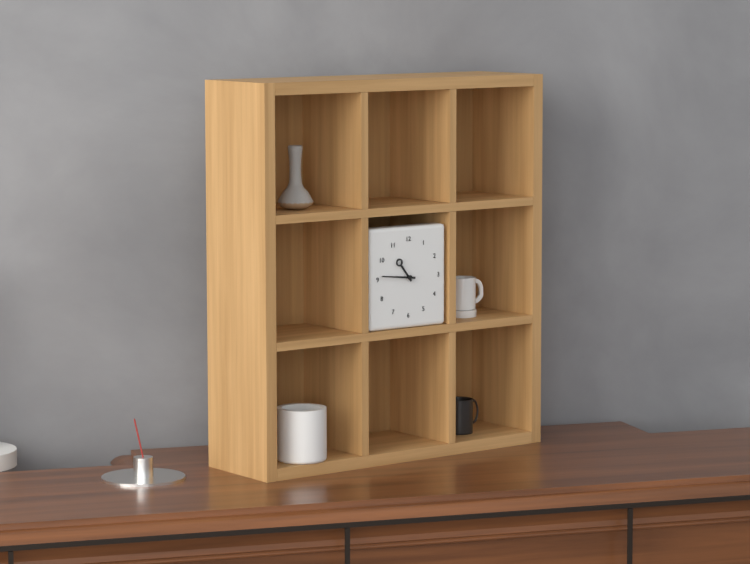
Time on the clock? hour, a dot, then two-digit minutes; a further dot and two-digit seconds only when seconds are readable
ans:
10.46
